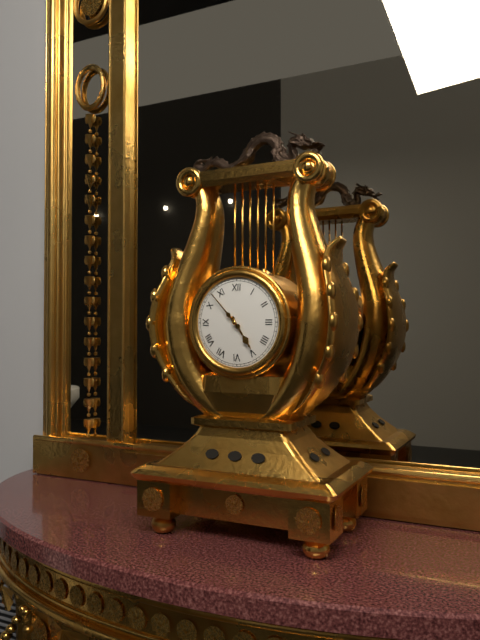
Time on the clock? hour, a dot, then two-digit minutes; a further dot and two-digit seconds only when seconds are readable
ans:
4.53
